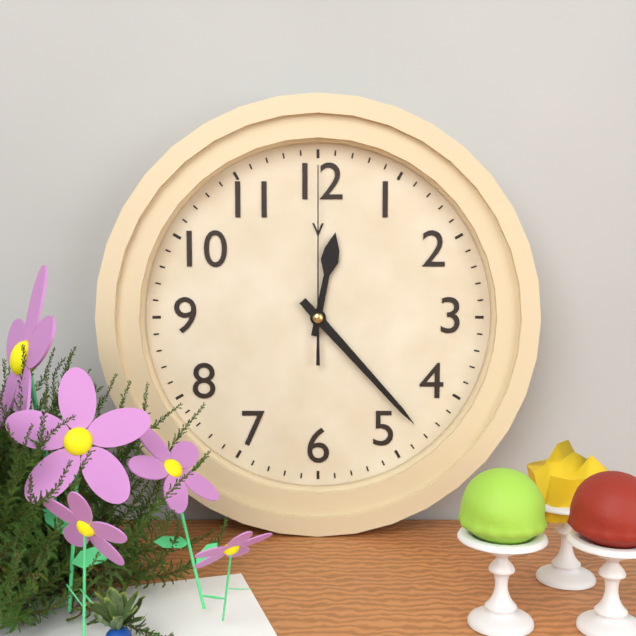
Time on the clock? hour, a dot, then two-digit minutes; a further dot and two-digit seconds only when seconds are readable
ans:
12.23.00
